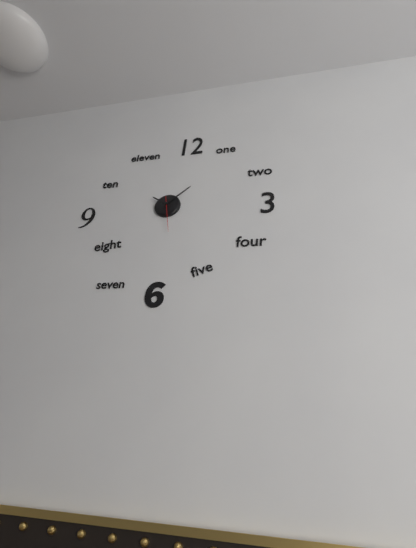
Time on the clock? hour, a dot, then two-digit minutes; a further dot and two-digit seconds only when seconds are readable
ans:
10.08
